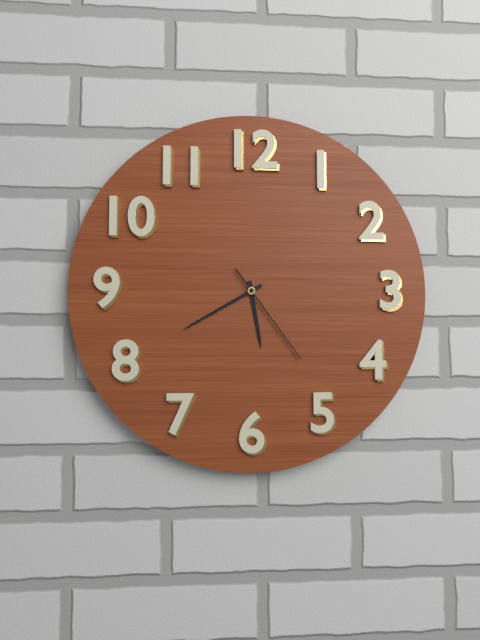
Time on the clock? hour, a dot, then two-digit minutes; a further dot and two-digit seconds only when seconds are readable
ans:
5.40.24
